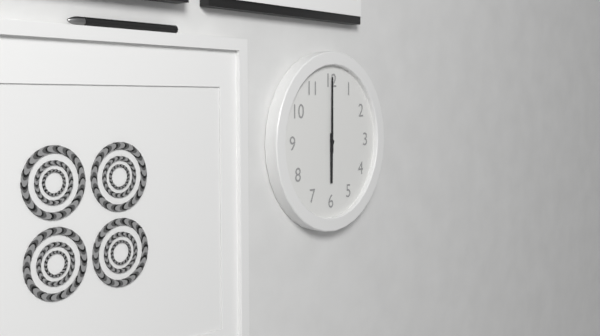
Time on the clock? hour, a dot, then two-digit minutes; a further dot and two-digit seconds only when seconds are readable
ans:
6.00
